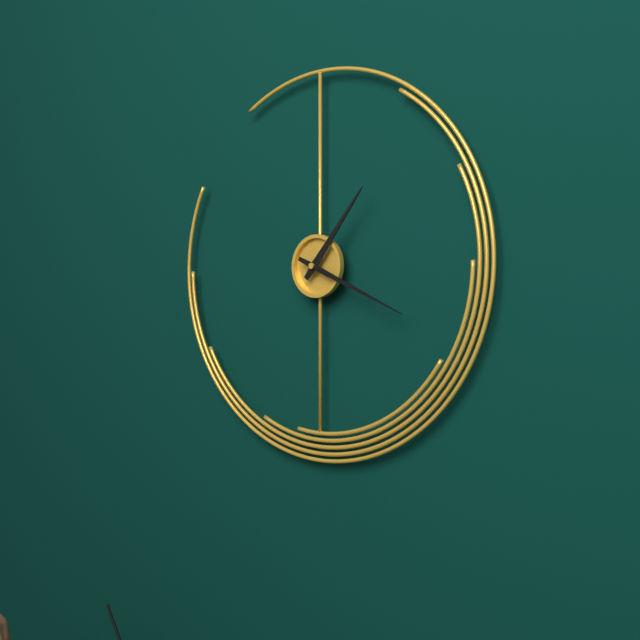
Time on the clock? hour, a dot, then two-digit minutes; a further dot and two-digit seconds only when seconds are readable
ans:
1.19
